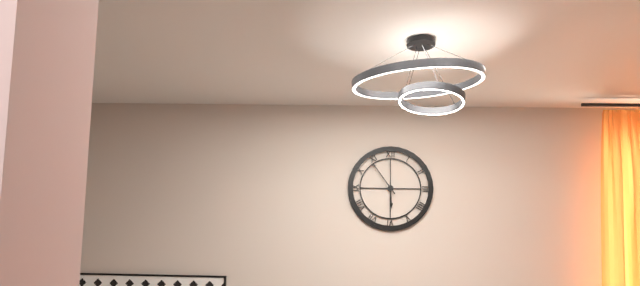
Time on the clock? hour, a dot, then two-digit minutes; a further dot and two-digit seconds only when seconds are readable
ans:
5.54
